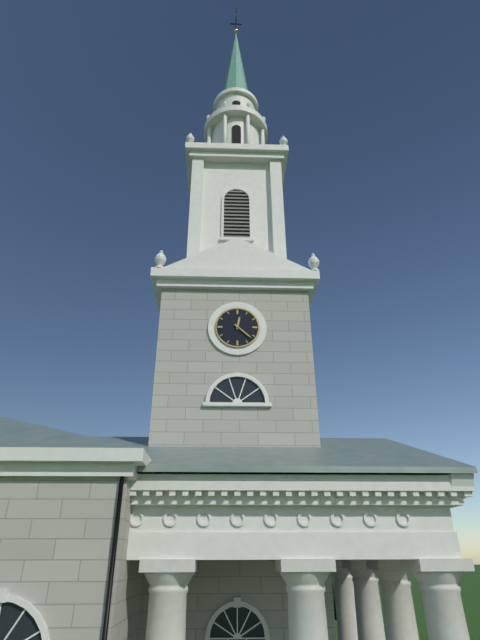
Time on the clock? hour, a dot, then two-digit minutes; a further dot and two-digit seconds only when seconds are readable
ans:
12.22
